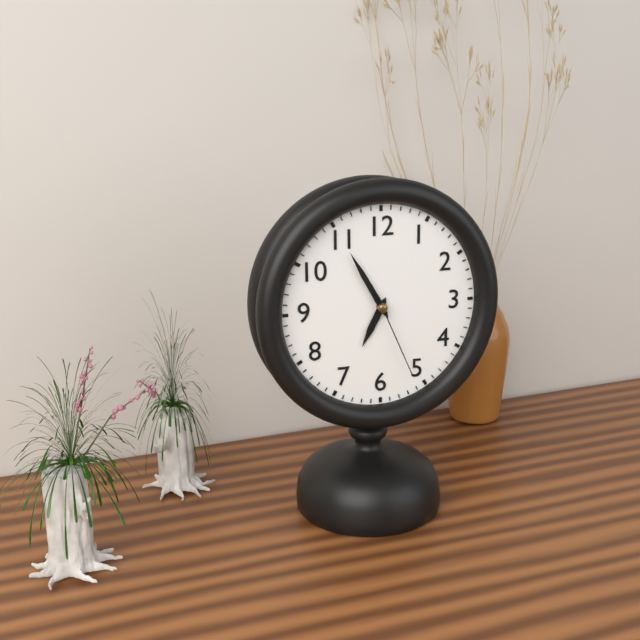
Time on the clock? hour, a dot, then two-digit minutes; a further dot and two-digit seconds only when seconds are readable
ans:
6.55.26
